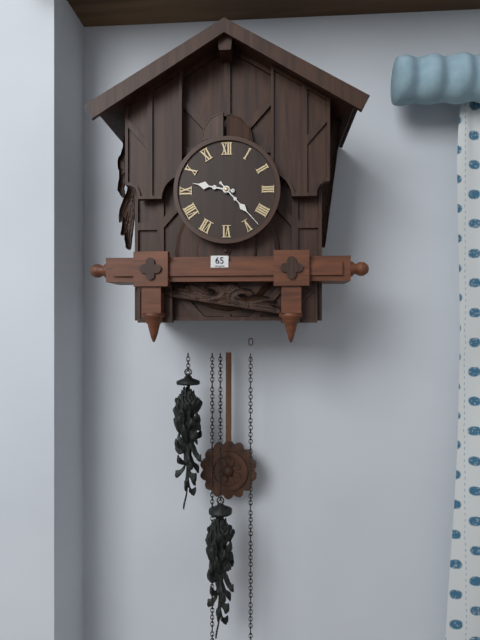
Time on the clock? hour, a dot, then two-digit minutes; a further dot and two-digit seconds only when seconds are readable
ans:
9.23
